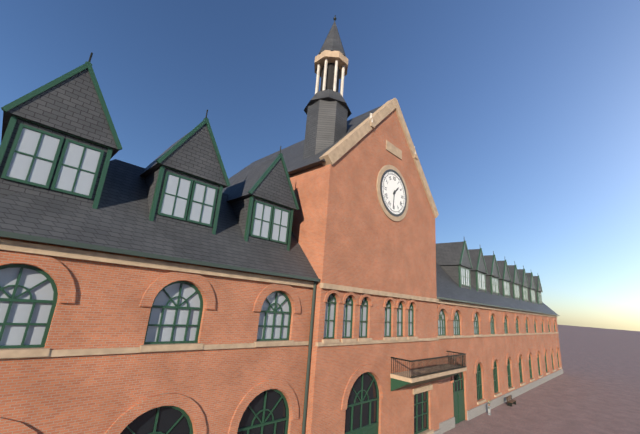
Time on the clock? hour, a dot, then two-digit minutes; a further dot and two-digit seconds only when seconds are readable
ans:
1.31
